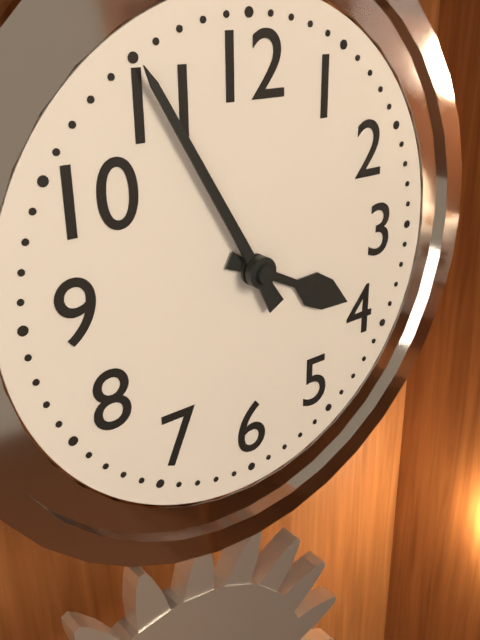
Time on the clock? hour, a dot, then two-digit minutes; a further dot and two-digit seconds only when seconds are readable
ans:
3.55
